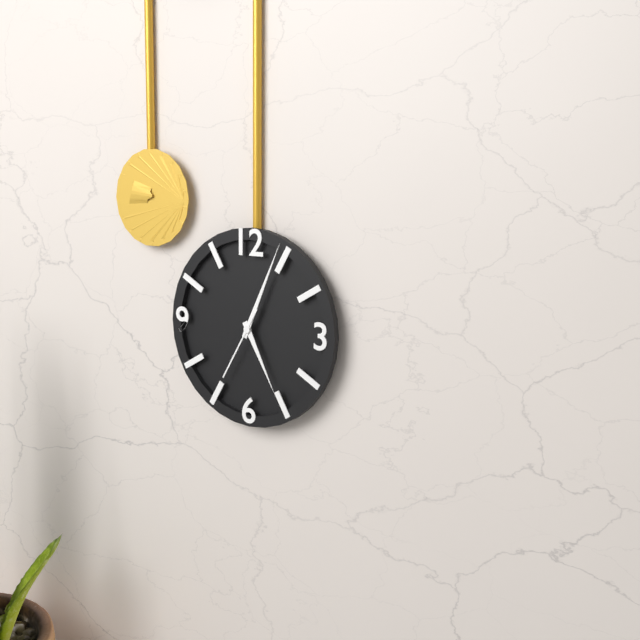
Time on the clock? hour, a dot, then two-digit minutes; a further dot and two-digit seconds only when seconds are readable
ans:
5.04.35
